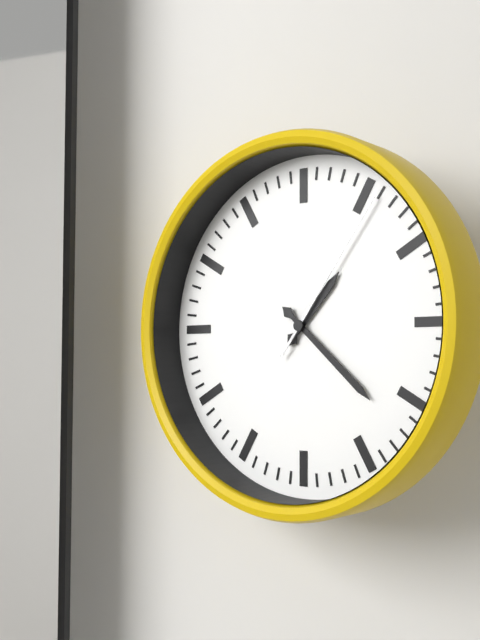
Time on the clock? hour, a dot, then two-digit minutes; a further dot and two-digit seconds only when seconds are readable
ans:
1.22.06
